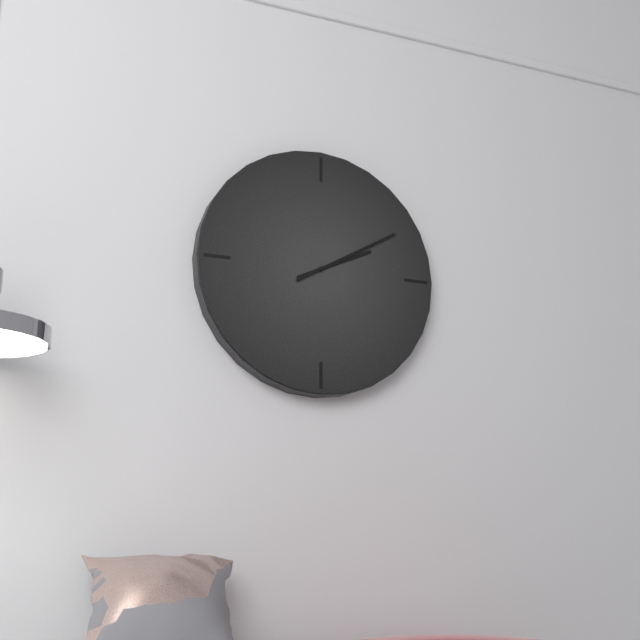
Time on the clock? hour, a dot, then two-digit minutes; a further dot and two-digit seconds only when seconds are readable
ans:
2.10
